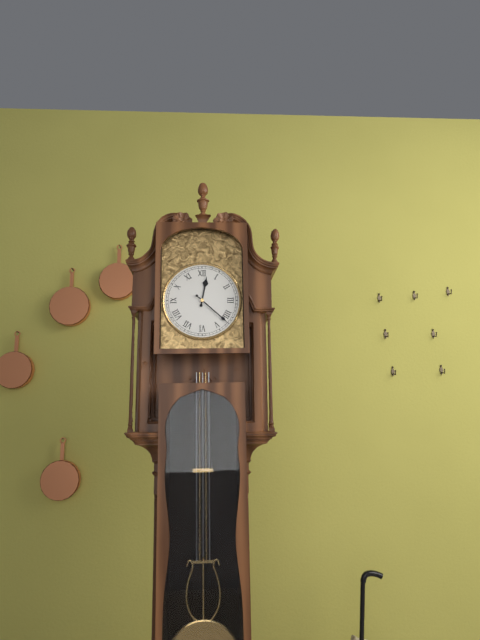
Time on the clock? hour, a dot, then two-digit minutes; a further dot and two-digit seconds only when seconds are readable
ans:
12.22
